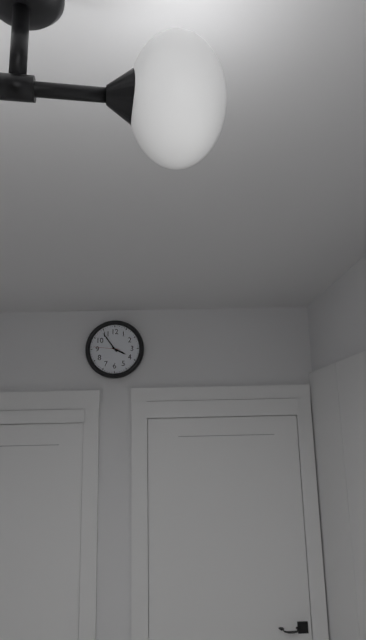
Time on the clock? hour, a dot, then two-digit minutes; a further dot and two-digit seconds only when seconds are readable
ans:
3.54
